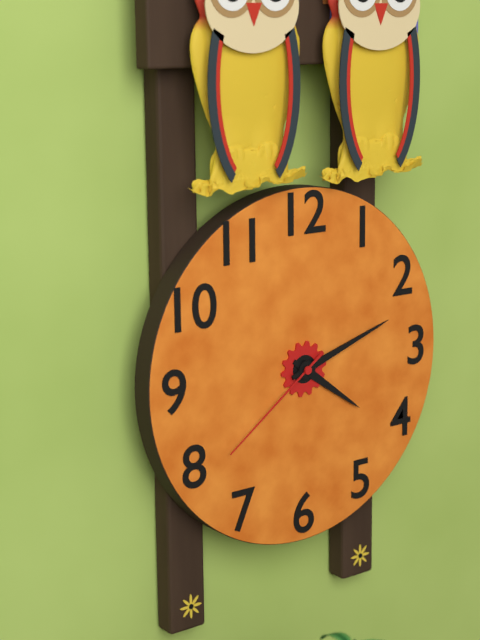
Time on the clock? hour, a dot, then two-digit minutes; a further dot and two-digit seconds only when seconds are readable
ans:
4.12.39
